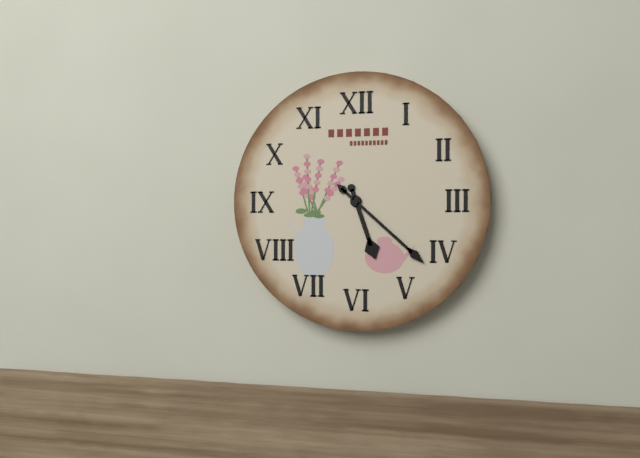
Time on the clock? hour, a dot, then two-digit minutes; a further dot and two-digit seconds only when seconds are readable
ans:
5.22
